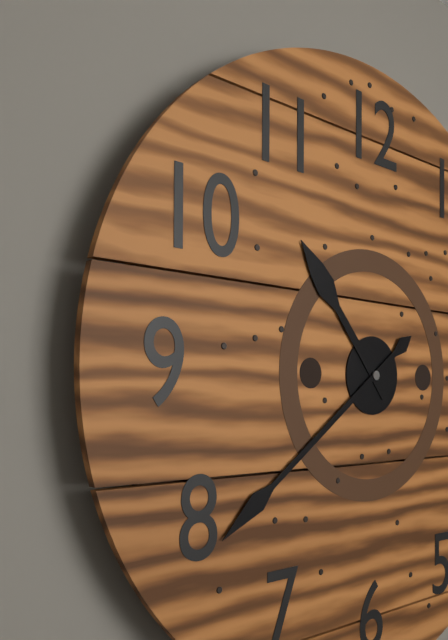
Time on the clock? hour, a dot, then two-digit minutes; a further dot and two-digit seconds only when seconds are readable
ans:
10.39
